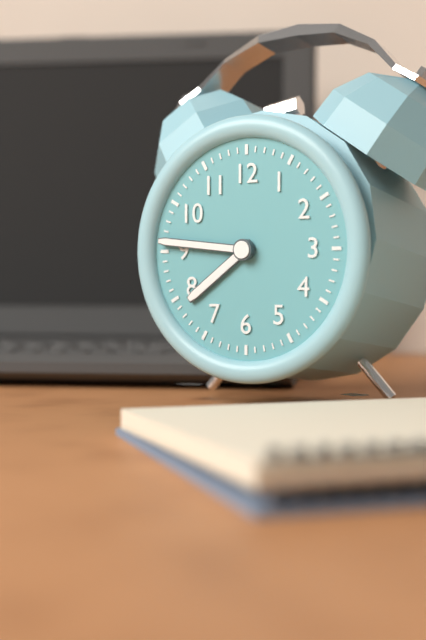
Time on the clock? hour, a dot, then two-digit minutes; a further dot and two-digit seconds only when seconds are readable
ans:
7.46
